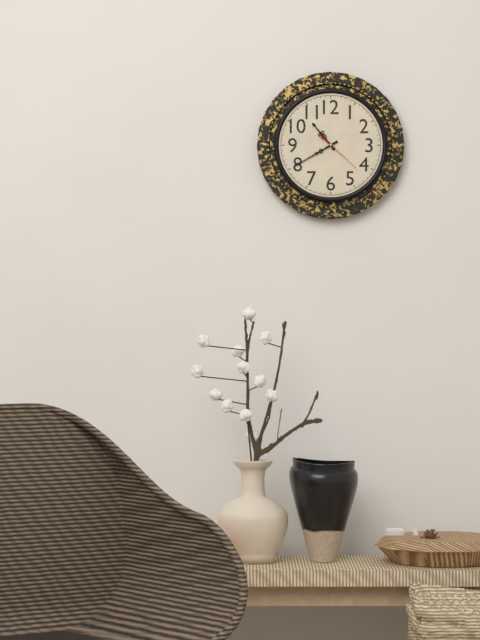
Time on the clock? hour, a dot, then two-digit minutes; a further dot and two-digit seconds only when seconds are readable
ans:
10.40
